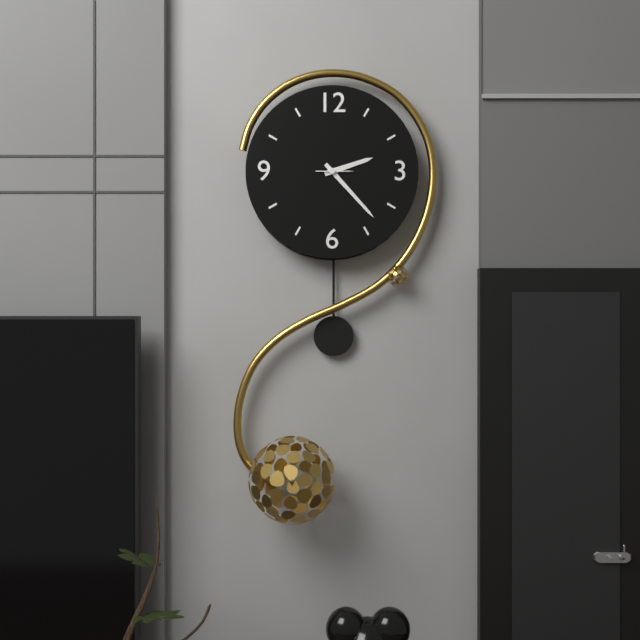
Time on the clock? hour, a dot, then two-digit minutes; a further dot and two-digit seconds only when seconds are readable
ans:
2.23
